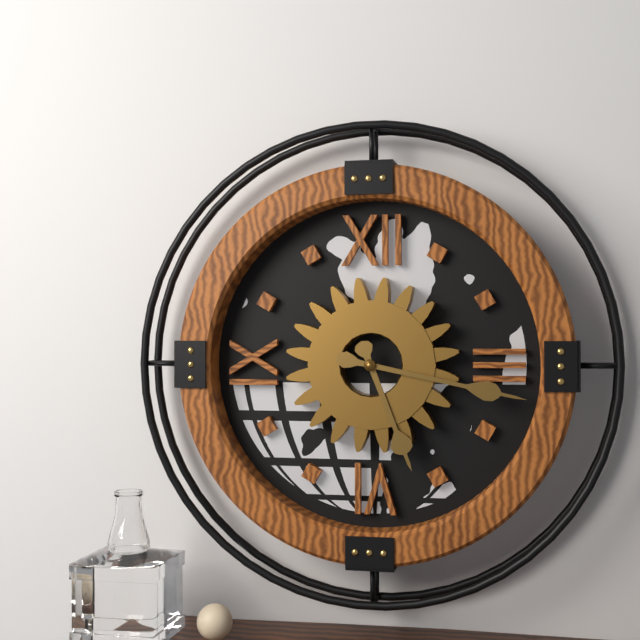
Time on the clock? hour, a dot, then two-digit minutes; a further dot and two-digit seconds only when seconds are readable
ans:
5.17
